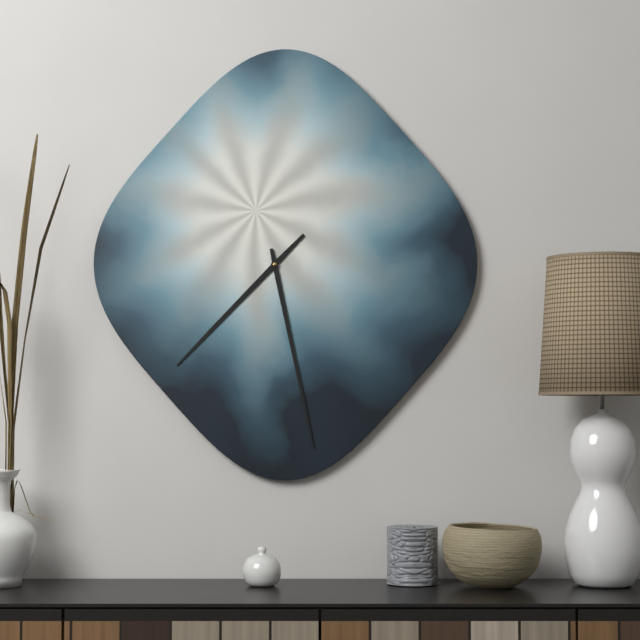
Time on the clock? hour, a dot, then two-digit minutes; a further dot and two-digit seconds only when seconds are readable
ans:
7.28
